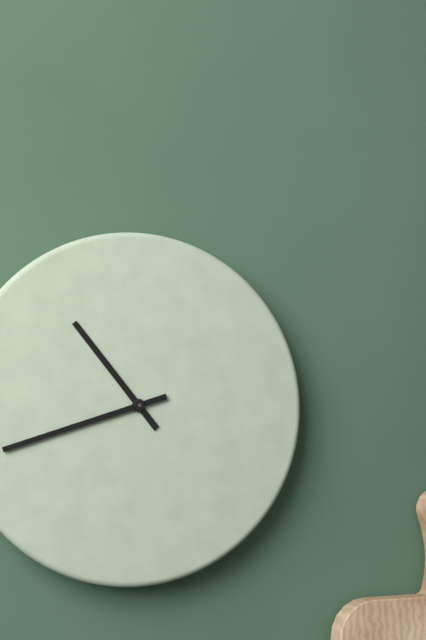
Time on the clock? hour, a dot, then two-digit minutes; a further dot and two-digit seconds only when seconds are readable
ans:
10.42
